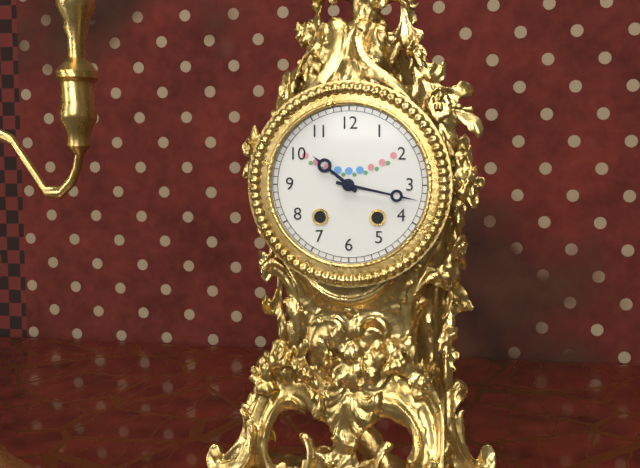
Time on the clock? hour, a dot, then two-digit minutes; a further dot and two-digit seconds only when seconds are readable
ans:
10.17
